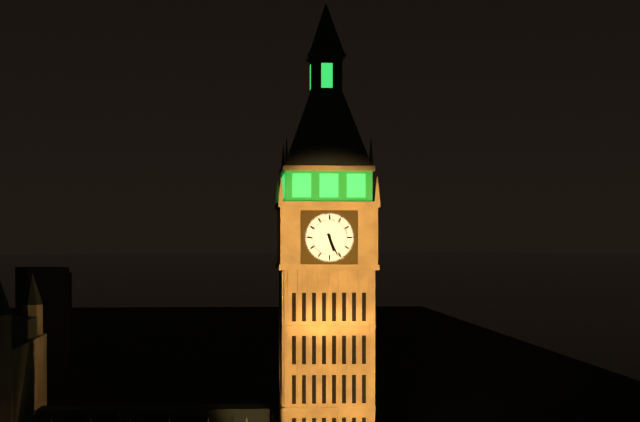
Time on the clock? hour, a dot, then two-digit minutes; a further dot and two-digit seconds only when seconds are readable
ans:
5.26
